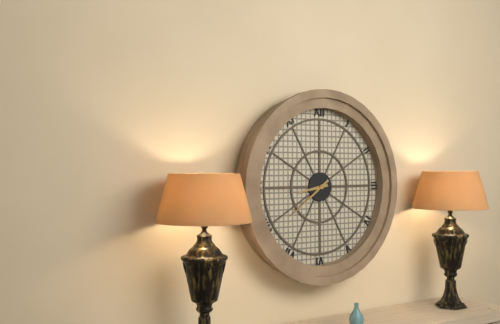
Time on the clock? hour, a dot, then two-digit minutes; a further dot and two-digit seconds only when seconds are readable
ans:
8.39
